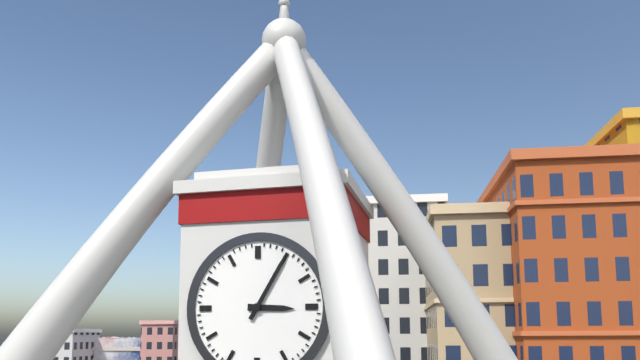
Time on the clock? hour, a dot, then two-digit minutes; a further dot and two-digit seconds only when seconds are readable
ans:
3.05
